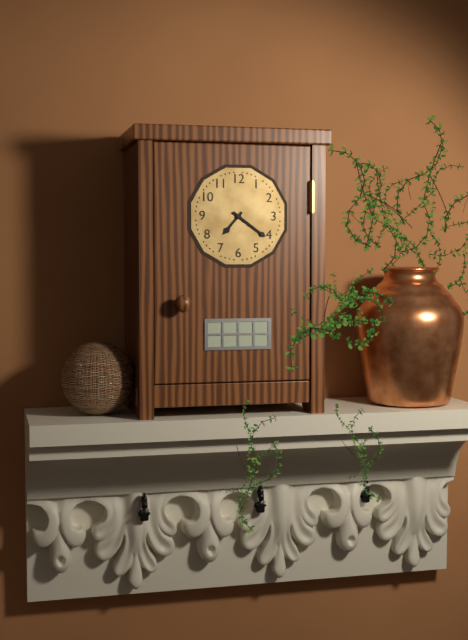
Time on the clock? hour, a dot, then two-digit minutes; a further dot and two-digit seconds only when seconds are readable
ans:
7.21
